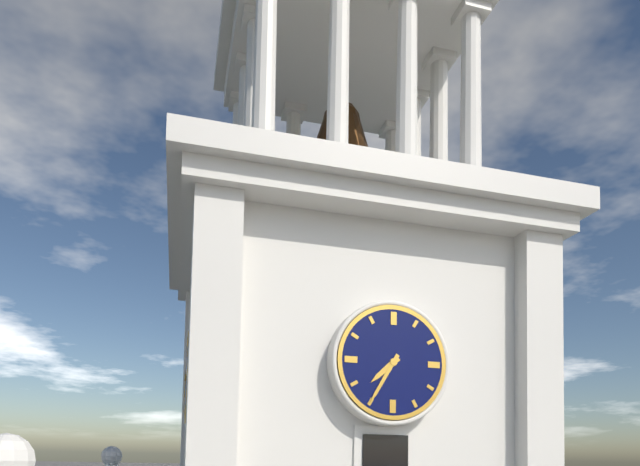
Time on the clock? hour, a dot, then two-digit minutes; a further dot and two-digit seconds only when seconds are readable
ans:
7.35
